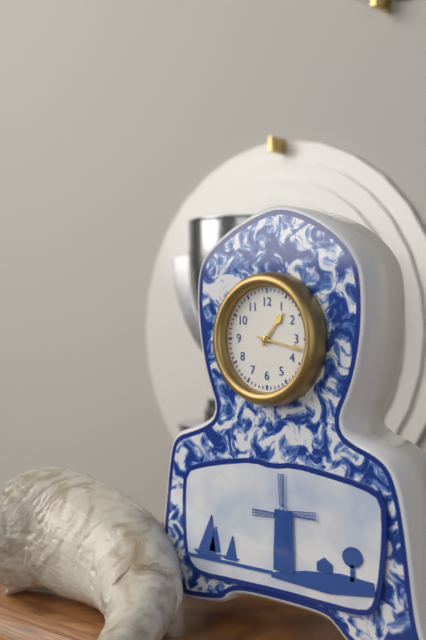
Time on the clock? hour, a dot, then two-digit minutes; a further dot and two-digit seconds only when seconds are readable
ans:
1.17
